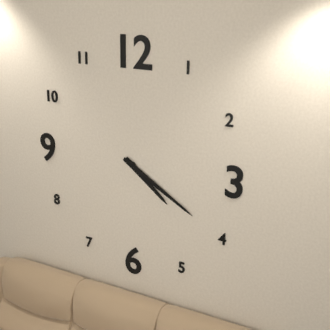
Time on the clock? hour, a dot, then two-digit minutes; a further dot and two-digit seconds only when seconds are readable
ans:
4.20
